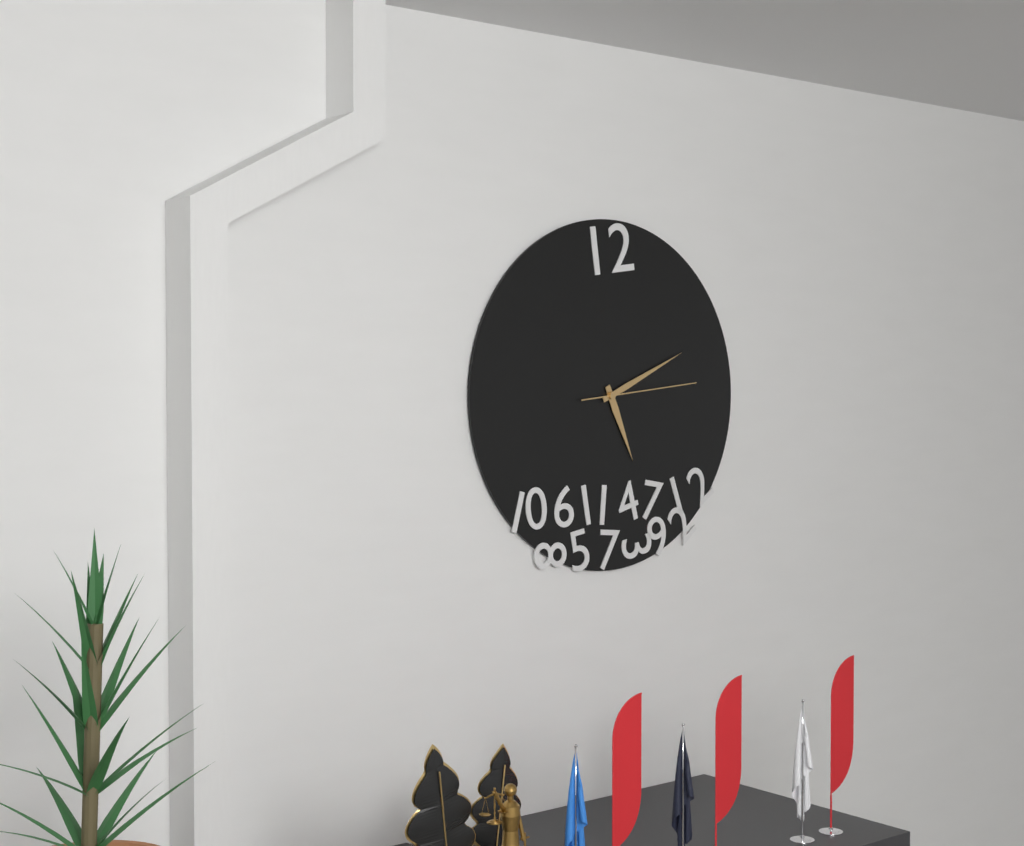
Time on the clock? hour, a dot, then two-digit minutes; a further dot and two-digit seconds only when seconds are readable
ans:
5.11.14
